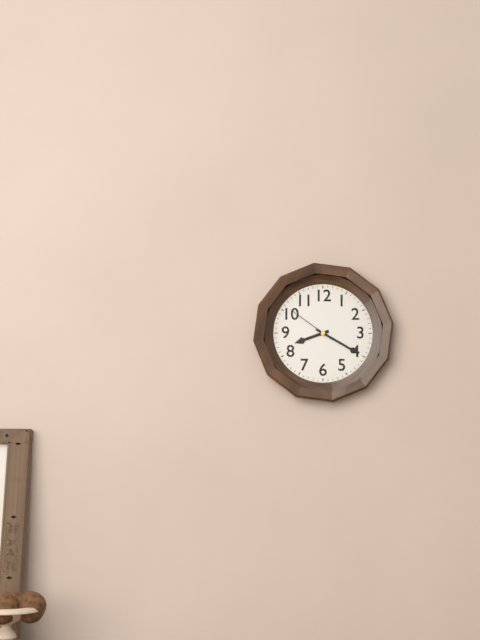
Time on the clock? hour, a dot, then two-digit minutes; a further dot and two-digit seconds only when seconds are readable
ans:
8.20.51
